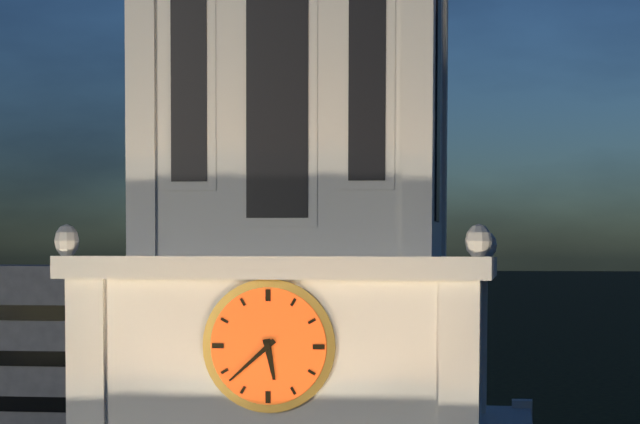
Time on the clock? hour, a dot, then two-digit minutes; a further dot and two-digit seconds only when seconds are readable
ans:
5.38
